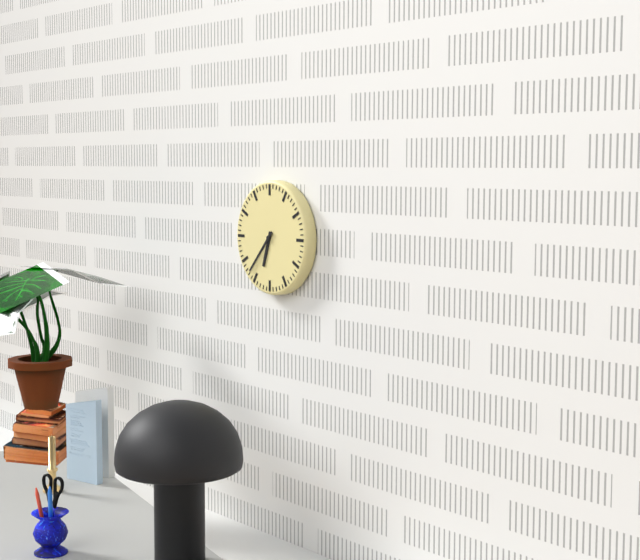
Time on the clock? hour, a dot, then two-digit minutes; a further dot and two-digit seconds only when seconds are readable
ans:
6.37
